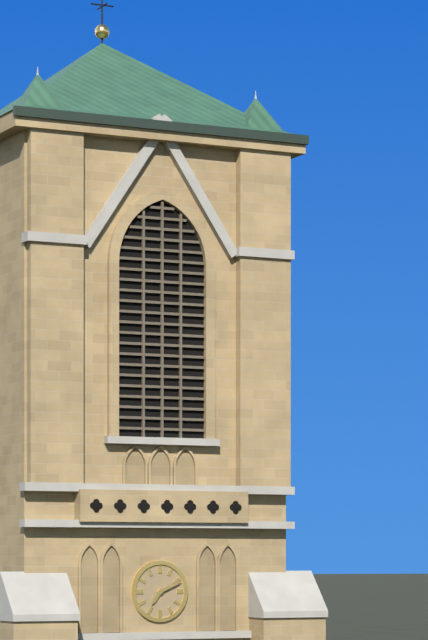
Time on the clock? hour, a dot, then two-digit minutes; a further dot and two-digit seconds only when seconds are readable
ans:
7.11
